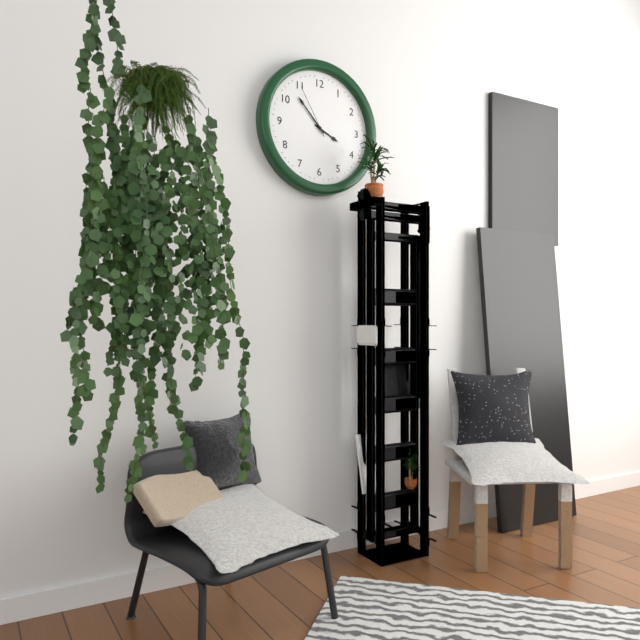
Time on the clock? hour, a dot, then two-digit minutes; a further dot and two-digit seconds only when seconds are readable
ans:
3.53.55
